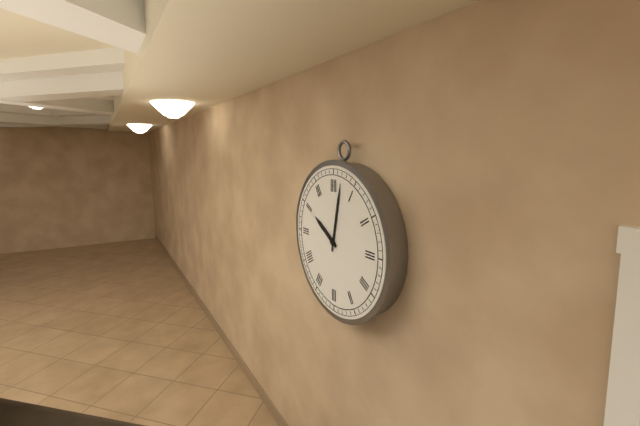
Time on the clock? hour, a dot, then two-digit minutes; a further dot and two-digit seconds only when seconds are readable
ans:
10.02
